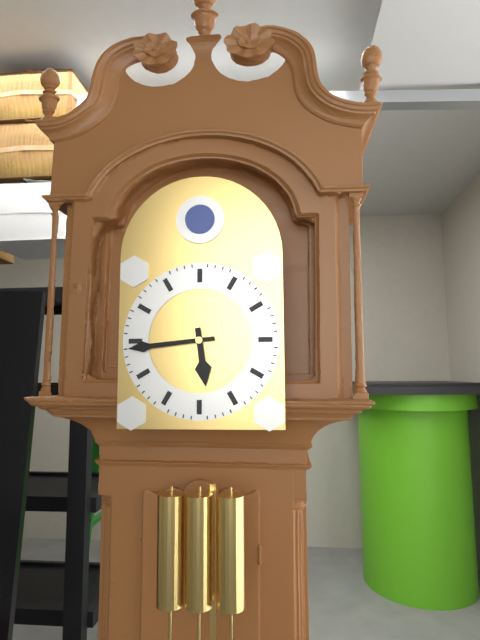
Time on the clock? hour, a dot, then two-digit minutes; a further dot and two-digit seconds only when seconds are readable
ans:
5.44
